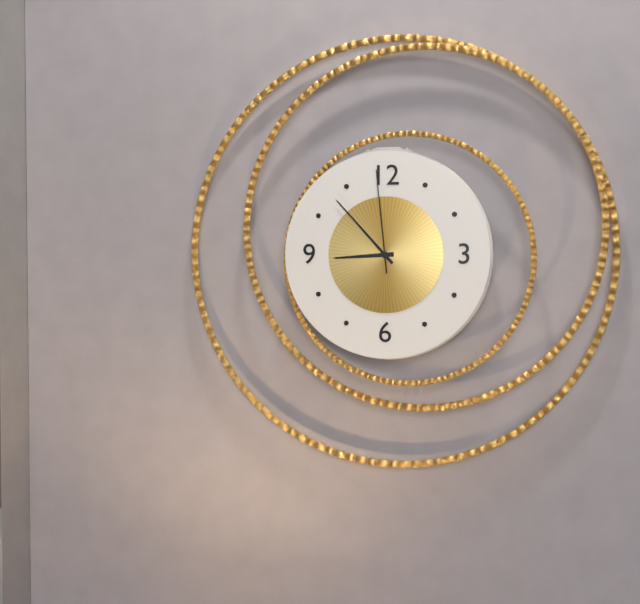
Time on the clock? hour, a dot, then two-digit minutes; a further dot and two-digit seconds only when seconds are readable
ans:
8.53.59
